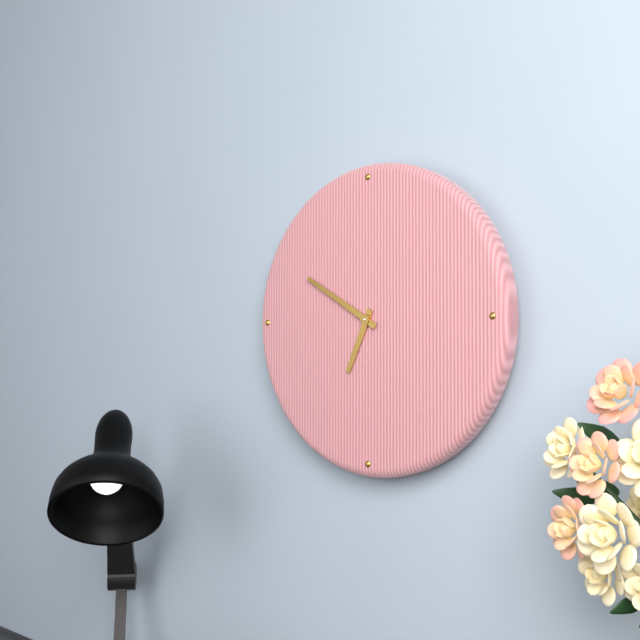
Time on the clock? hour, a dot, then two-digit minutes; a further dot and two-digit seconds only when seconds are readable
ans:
6.50
